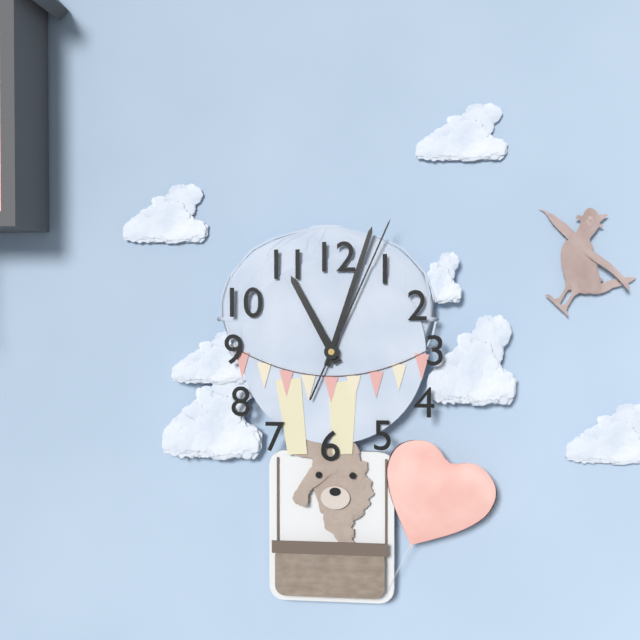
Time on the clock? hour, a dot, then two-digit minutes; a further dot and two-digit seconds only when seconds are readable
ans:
11.03.04
